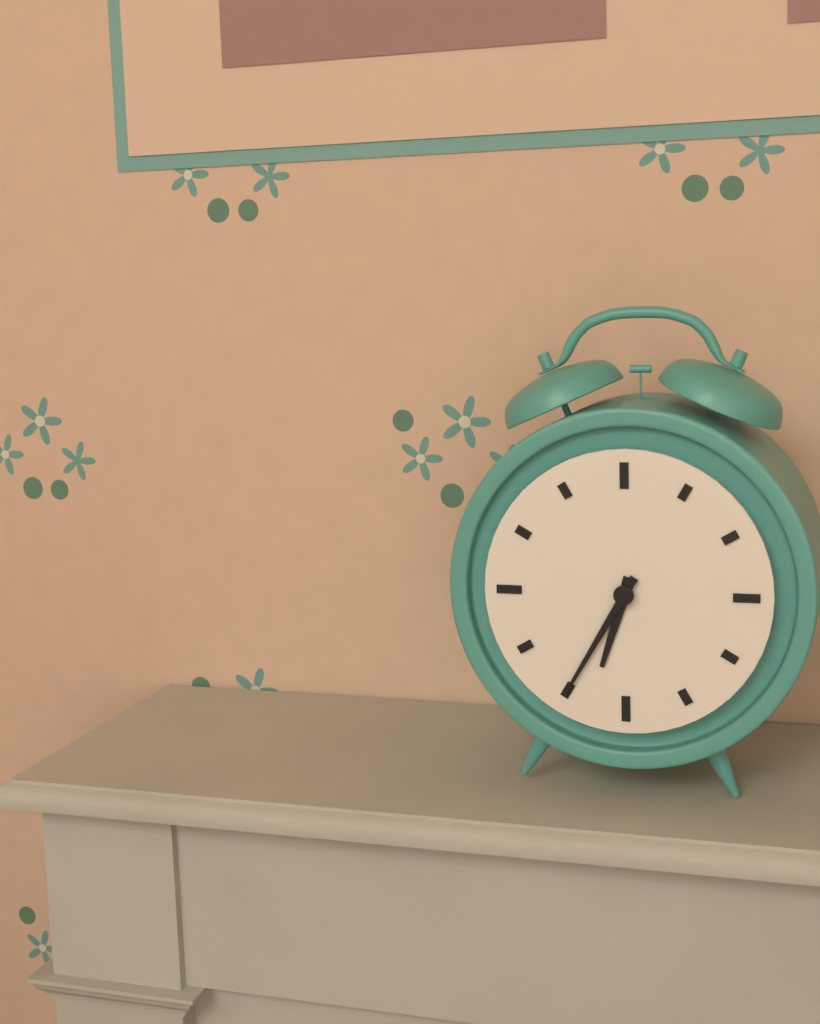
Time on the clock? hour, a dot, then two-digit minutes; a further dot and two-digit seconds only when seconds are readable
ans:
6.35
